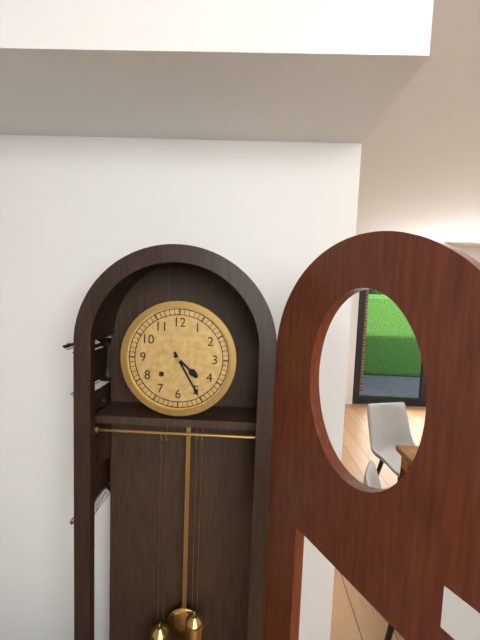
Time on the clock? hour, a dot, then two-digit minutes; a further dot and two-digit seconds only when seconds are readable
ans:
4.25
